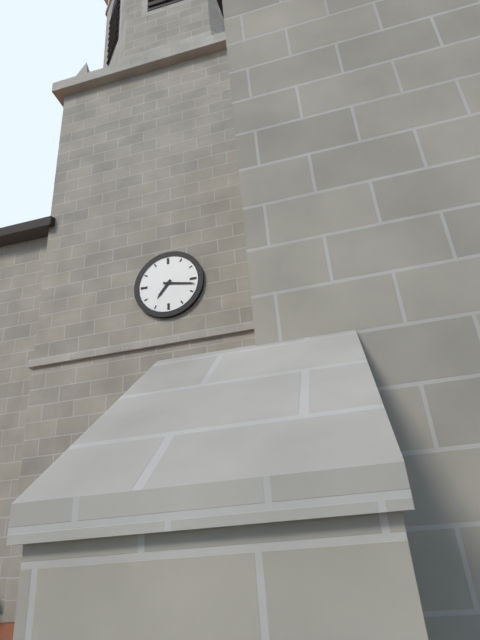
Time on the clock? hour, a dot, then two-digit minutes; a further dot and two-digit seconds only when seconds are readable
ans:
7.17
